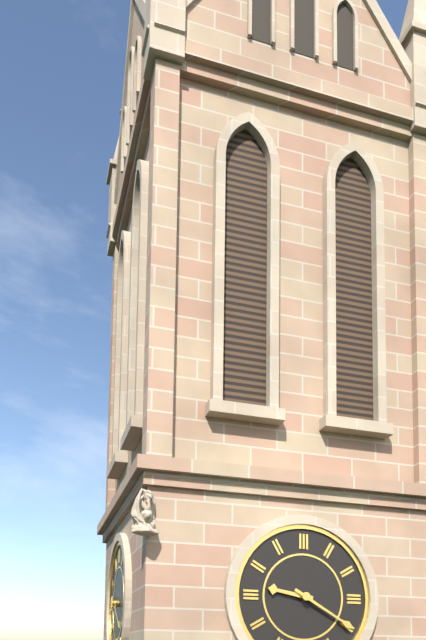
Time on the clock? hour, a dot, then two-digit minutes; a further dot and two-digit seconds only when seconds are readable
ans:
9.20
